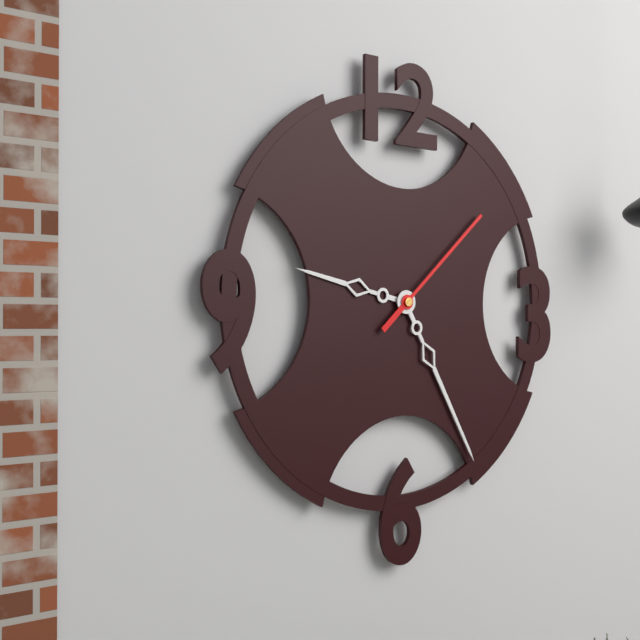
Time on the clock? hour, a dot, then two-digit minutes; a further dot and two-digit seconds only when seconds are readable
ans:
9.25.08
